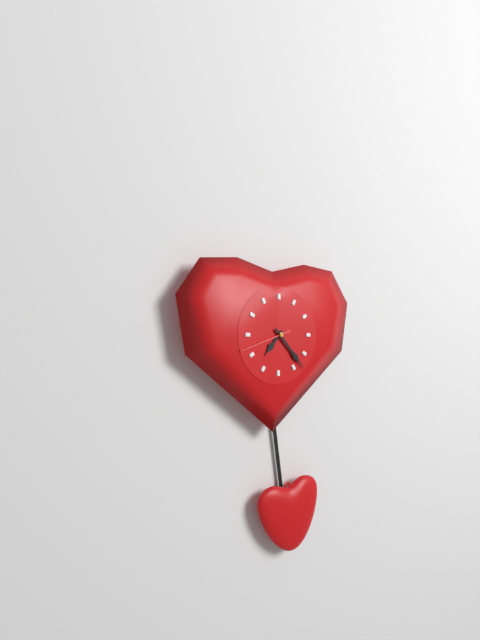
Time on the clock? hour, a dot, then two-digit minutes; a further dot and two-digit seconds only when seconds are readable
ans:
7.23.42
